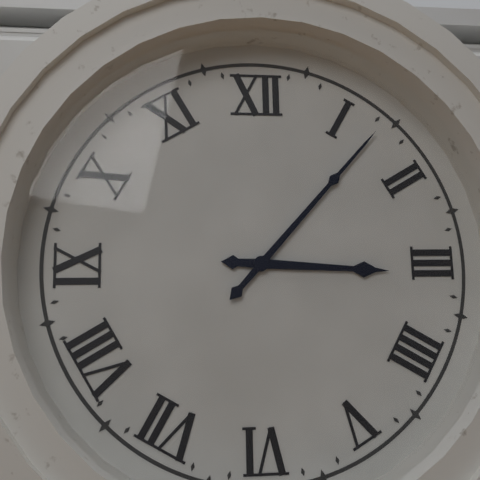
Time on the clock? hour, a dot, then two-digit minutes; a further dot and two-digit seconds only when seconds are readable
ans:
3.07
